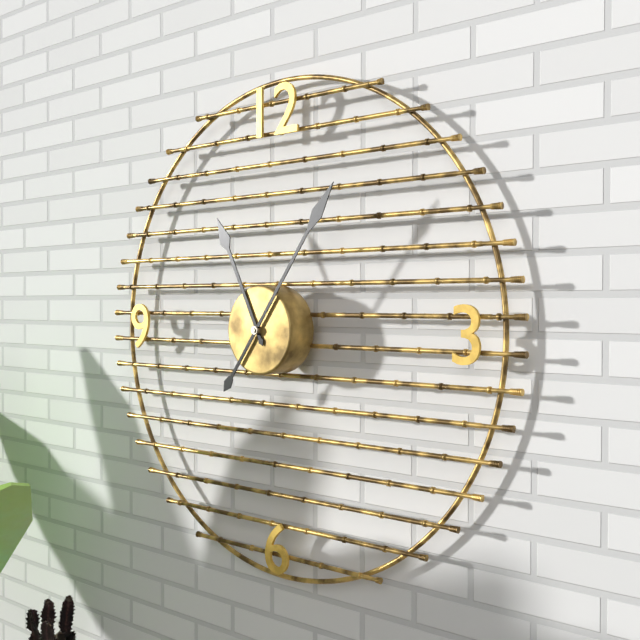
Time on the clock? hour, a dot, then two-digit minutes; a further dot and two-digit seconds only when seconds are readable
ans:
11.06
